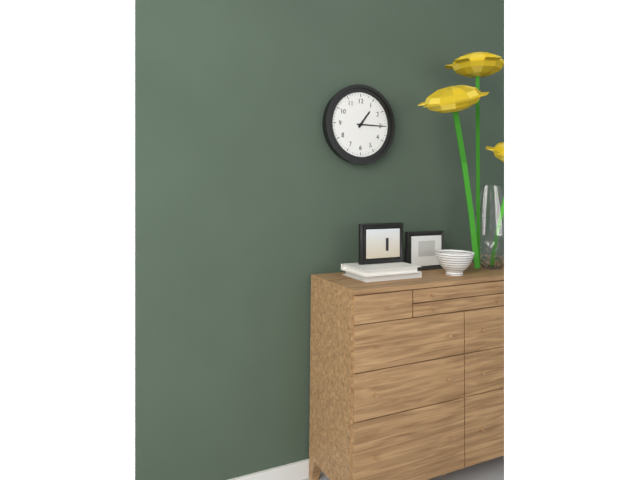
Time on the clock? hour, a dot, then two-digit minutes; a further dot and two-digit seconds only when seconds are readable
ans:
1.15
